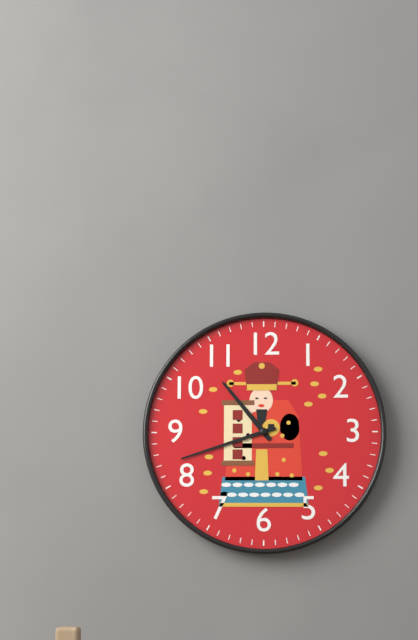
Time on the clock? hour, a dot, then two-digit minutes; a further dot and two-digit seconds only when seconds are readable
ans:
10.42
